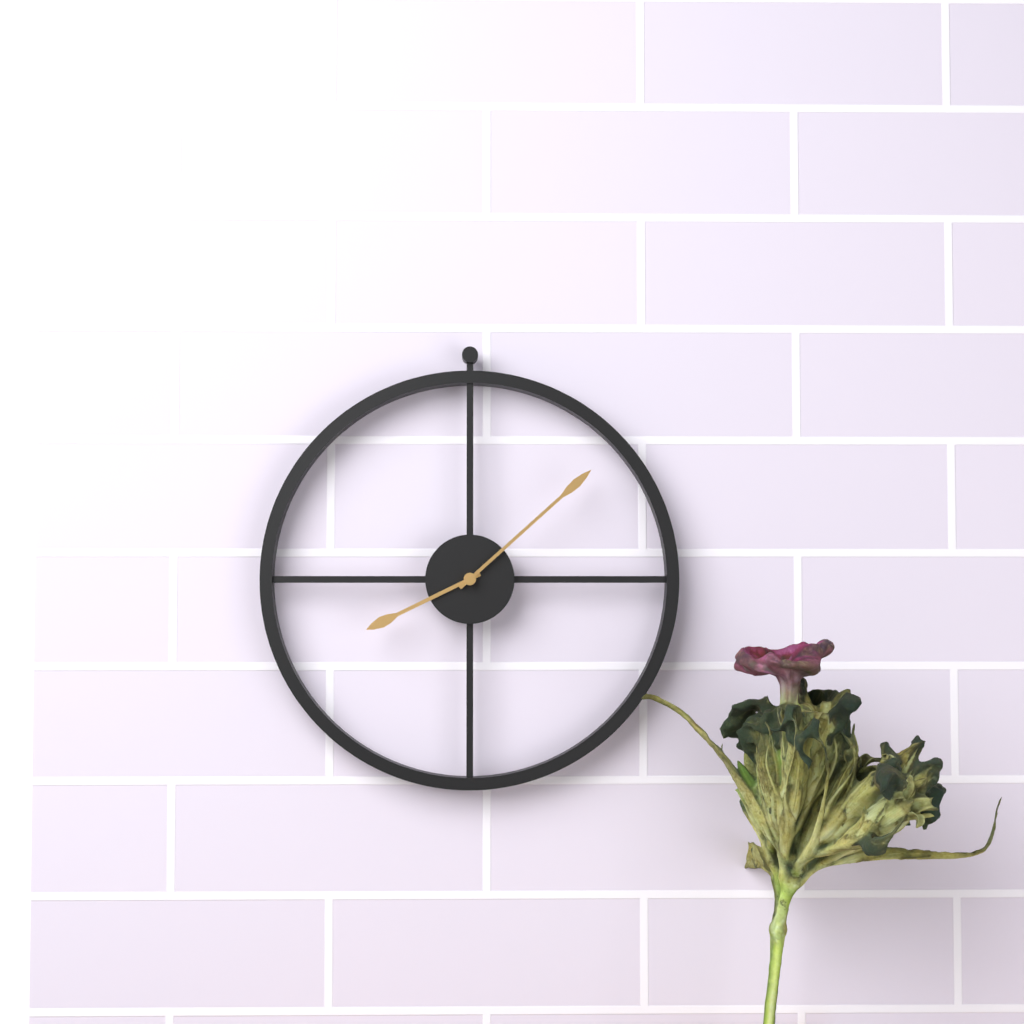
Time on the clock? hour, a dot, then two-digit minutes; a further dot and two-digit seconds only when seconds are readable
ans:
8.08
